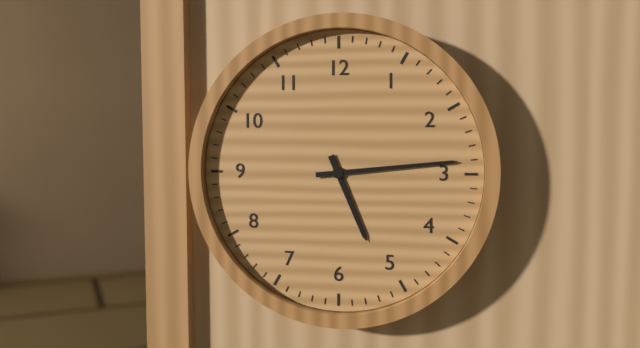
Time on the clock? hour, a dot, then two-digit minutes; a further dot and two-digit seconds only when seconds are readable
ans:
5.14
